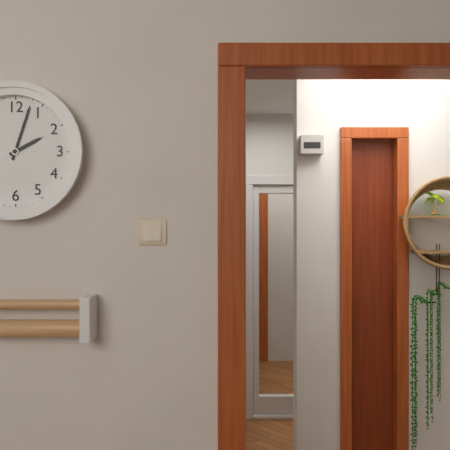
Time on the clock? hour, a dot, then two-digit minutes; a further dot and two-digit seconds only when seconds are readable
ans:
2.03
